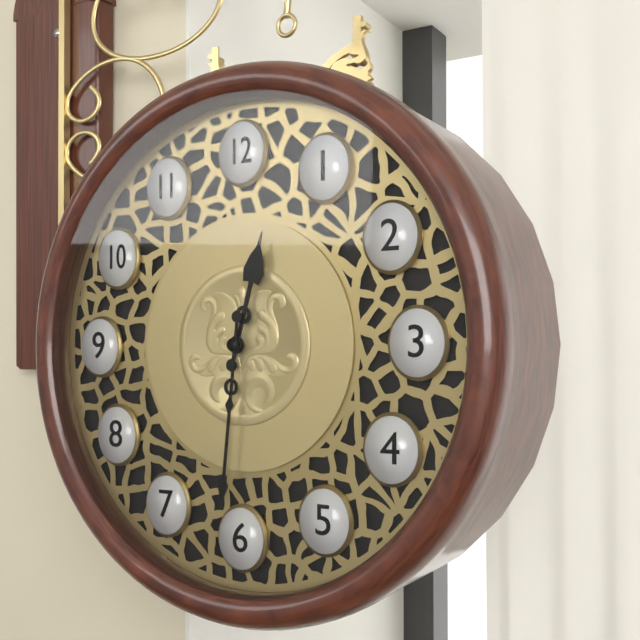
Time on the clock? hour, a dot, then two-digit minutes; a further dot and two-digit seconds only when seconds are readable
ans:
12.31
